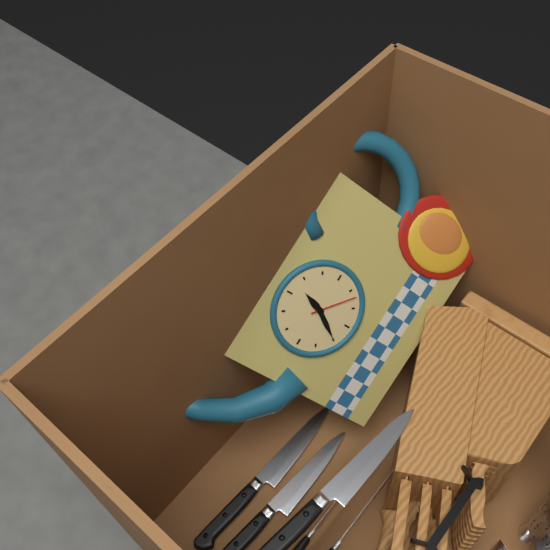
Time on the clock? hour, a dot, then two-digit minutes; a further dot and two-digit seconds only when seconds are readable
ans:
12.35.22
